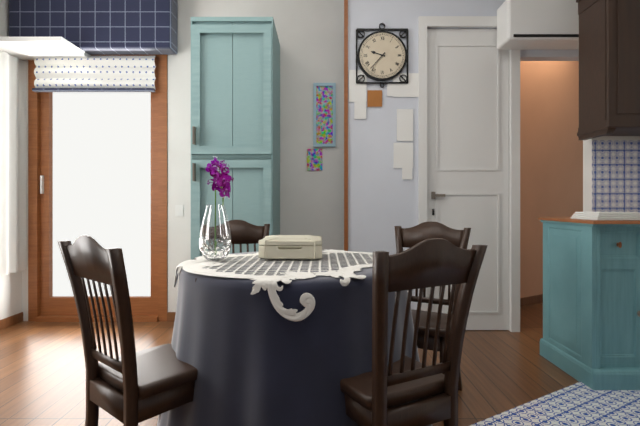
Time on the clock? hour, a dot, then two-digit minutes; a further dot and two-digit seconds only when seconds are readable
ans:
9.37
